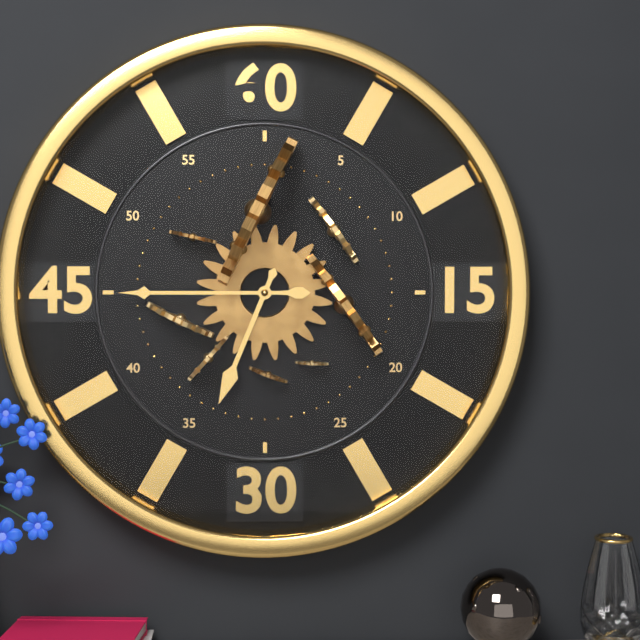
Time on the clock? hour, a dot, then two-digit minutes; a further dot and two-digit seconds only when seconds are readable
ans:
6.45
